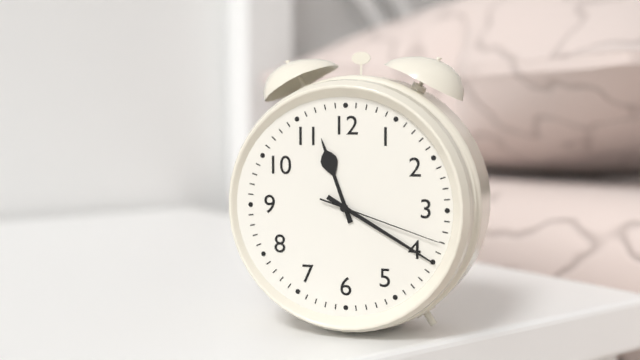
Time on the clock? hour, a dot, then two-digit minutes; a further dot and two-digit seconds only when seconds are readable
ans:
11.20.18
